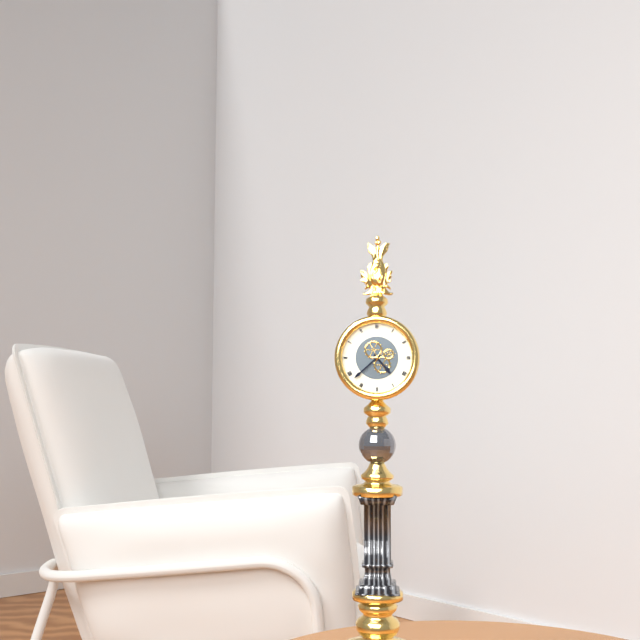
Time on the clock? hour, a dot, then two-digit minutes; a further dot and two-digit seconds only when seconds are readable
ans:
4.38
